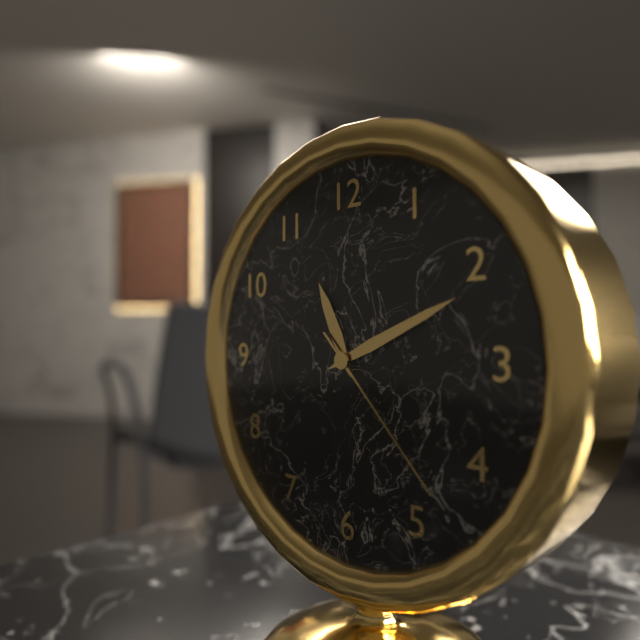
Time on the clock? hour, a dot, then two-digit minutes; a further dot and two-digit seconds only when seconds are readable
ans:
11.11.23
